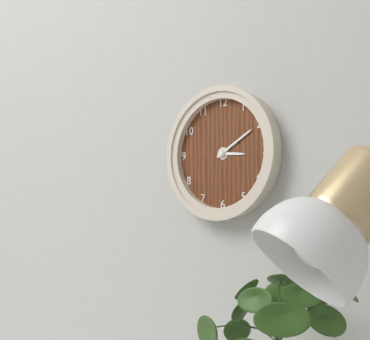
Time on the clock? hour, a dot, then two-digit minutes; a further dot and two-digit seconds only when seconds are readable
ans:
3.10
